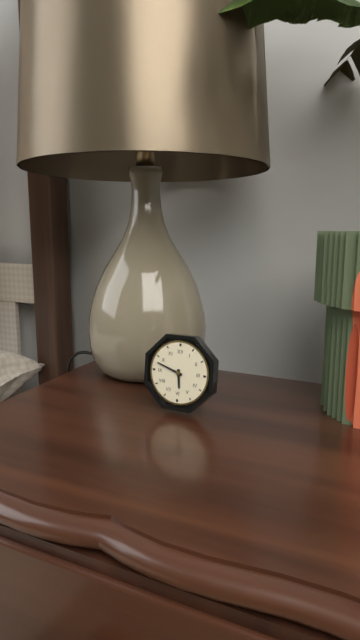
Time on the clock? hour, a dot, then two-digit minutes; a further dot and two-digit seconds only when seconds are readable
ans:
5.48
